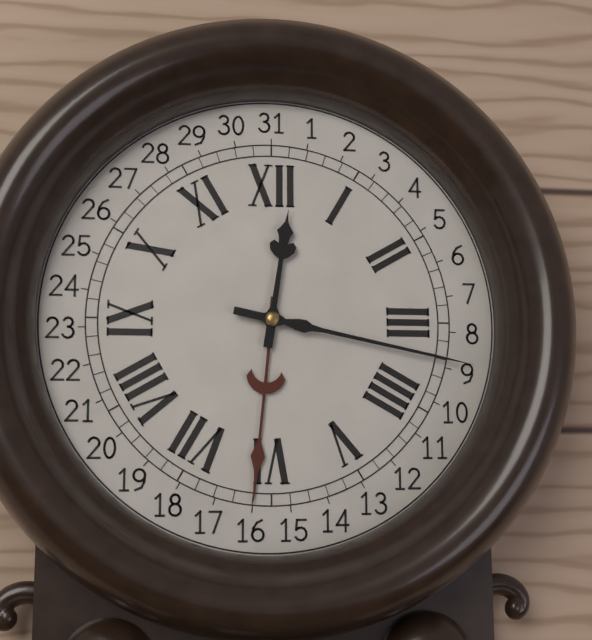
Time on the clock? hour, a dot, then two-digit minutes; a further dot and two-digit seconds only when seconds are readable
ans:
12.17
